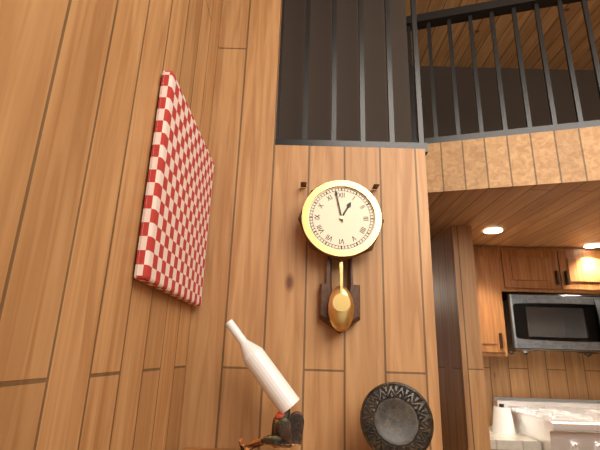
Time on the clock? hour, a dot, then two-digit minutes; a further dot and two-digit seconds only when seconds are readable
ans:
12.58
